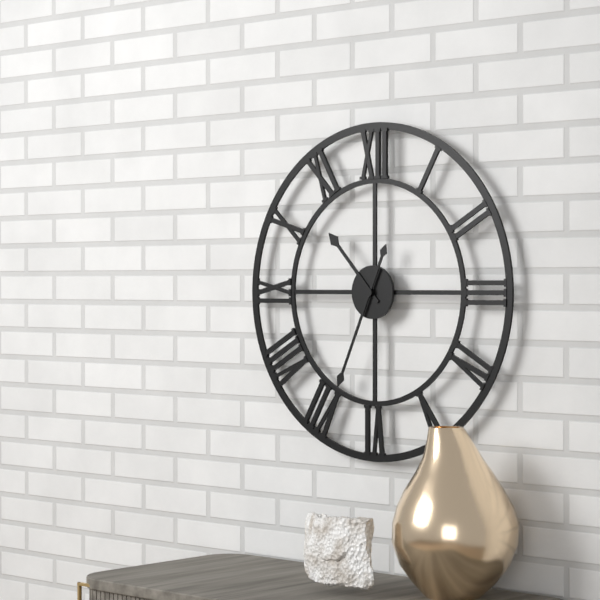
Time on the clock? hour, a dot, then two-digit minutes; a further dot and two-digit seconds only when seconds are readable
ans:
10.34
